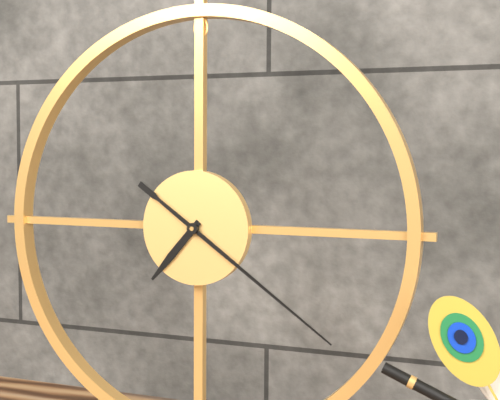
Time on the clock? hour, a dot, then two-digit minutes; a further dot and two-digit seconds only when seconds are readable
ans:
7.21
